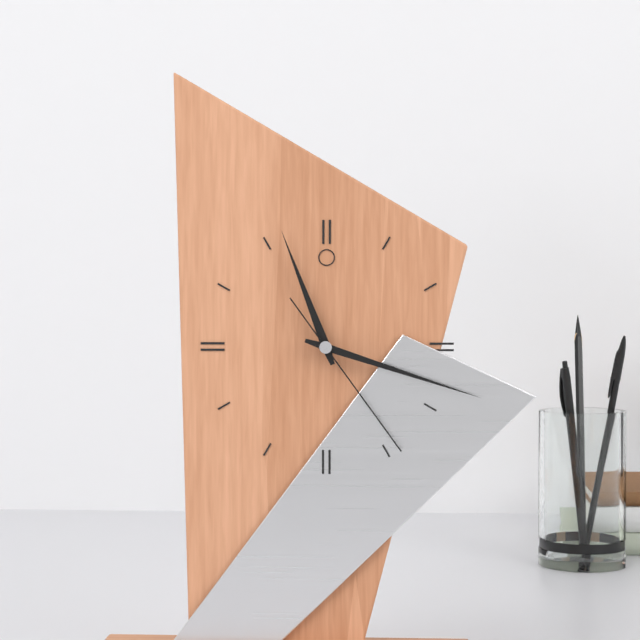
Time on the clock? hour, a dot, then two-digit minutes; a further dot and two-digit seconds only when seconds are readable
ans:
11.18.24
